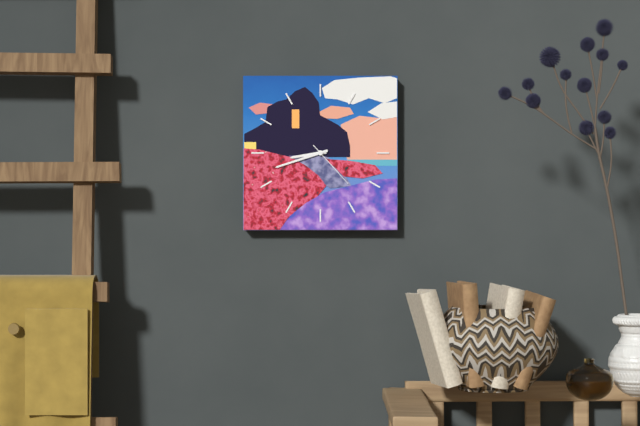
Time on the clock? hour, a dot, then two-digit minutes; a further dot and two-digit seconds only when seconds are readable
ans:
8.42.23
